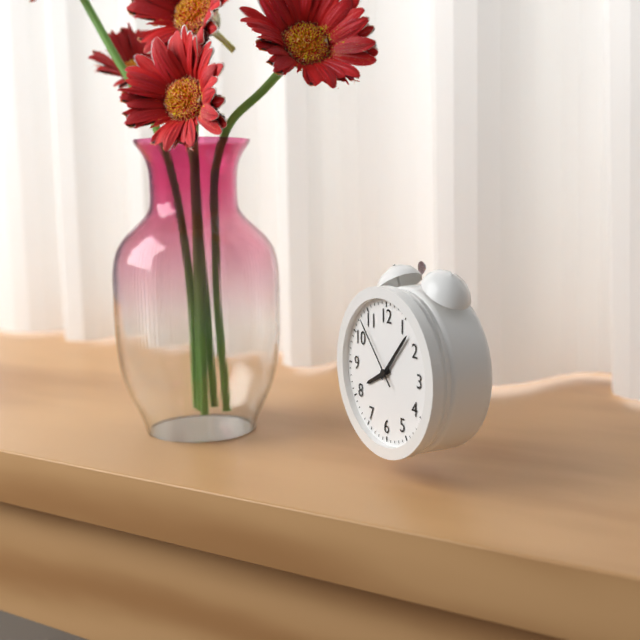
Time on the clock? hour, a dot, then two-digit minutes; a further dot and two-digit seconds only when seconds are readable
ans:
8.07.53
